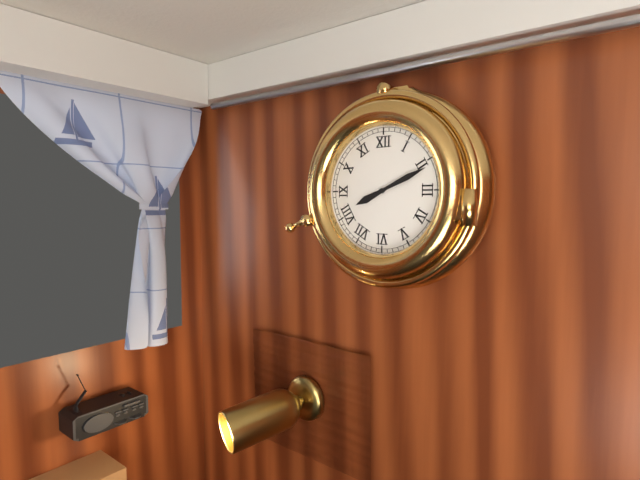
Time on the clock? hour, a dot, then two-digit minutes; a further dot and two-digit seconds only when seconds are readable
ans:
8.11
